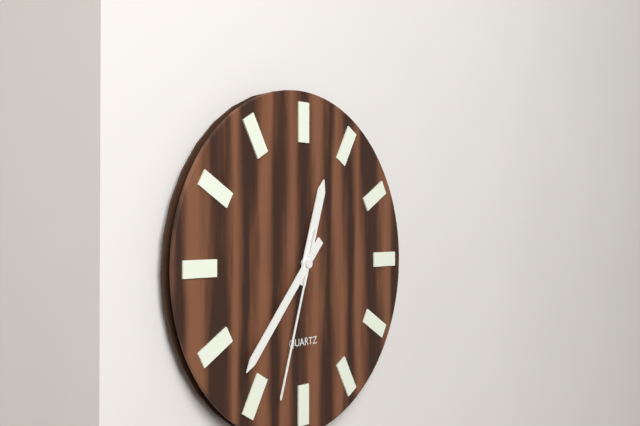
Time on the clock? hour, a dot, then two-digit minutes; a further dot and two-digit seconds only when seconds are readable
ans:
12.37.33
